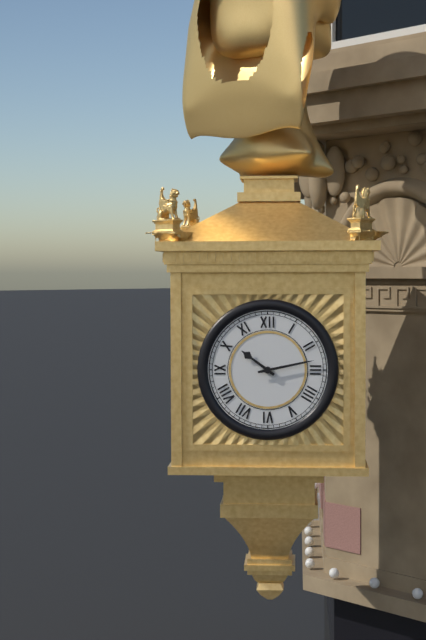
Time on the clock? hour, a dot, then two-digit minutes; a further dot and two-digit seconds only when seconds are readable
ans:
10.13
